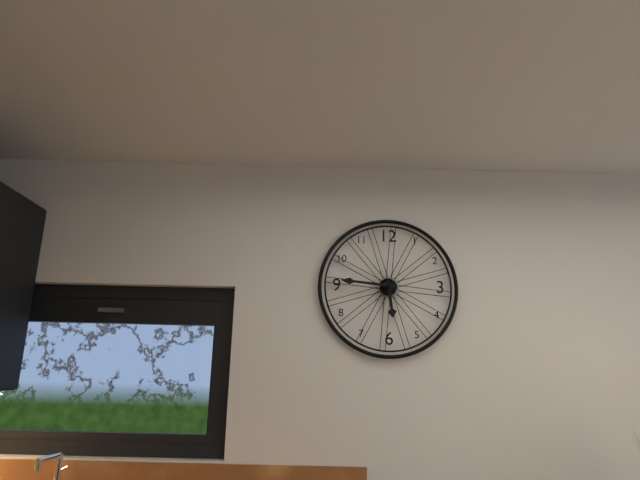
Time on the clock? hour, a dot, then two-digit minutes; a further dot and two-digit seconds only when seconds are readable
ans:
5.46
